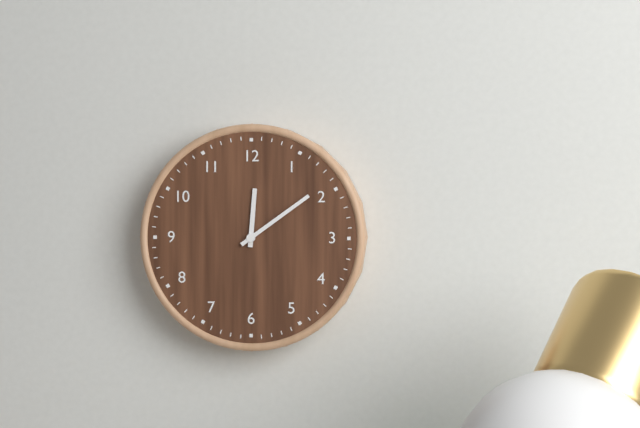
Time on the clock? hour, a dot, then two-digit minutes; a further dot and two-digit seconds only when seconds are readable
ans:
12.09
